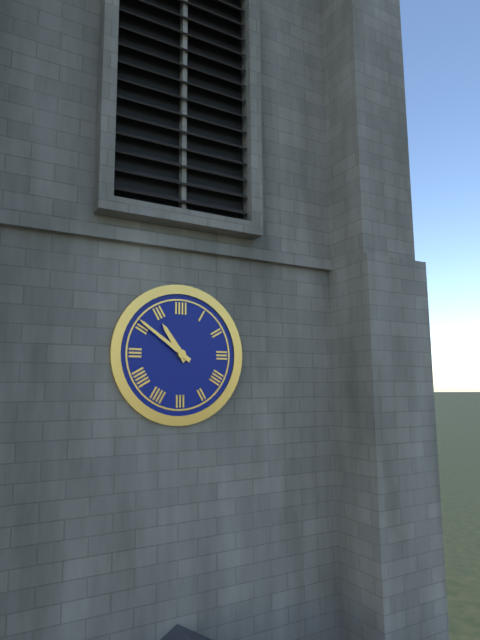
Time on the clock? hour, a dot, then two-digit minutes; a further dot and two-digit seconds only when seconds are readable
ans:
10.51
